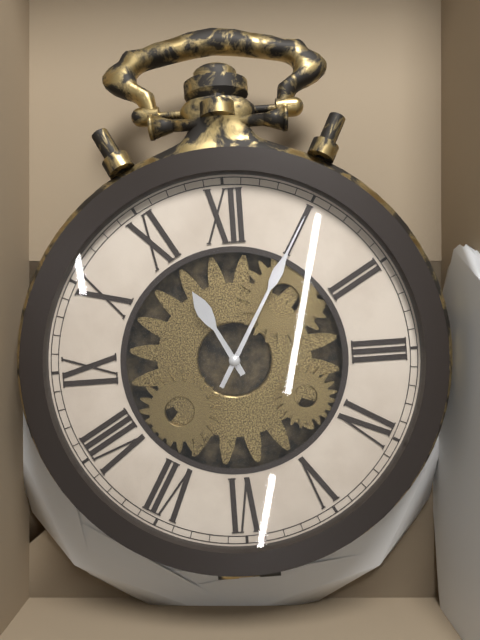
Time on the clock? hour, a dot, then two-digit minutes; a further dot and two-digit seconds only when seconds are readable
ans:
11.05
